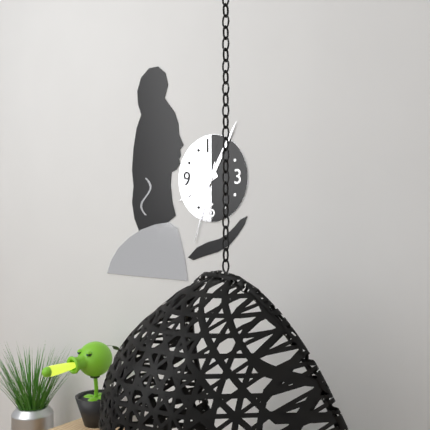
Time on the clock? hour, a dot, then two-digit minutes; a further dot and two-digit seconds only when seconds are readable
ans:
8.05.33
